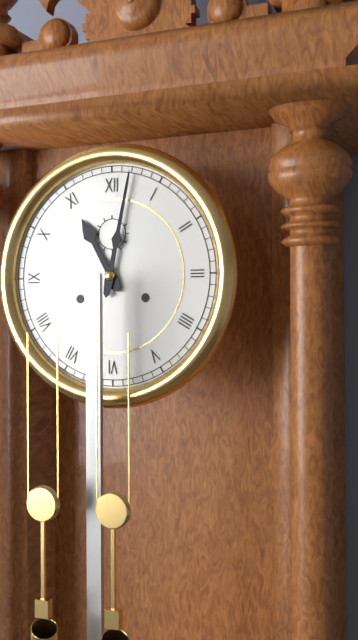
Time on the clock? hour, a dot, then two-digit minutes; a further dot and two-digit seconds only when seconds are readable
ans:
11.02
